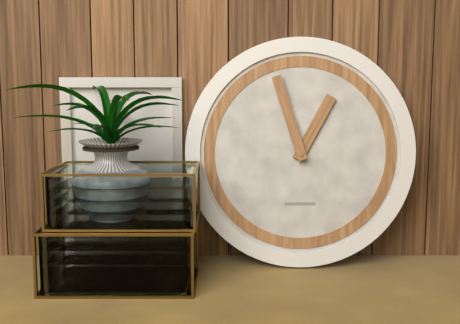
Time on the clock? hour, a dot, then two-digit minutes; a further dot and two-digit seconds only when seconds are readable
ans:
12.57
